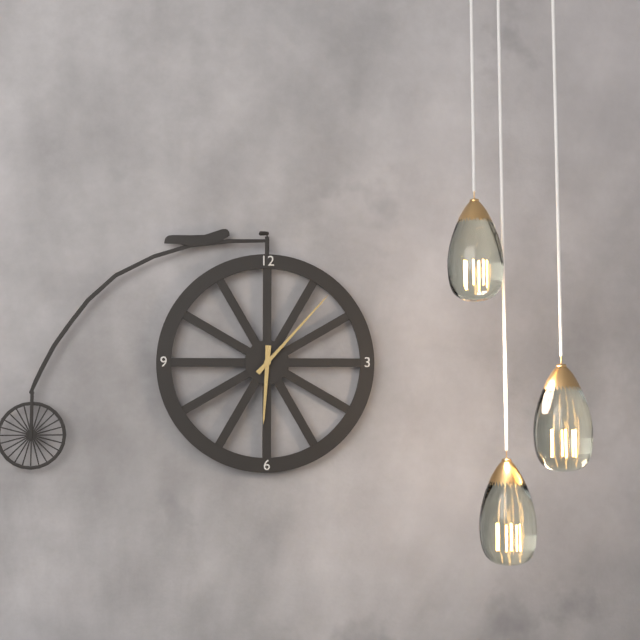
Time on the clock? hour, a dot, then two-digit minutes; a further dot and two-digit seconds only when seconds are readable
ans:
6.07
